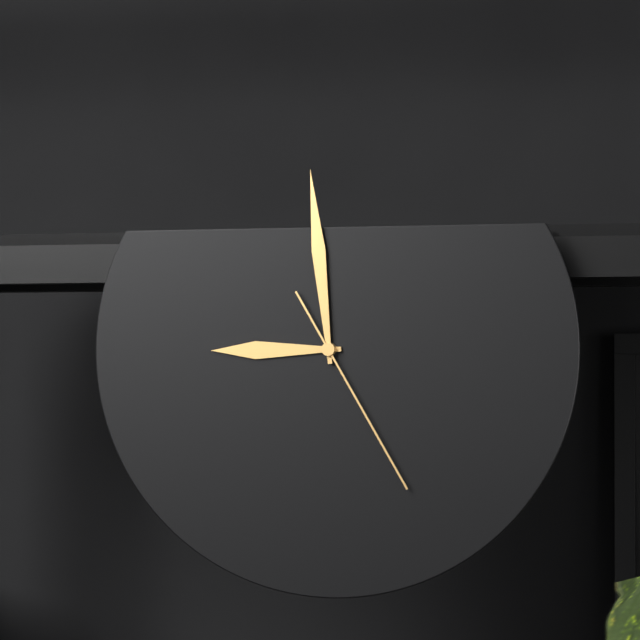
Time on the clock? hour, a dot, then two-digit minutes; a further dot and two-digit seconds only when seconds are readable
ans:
8.59.25
